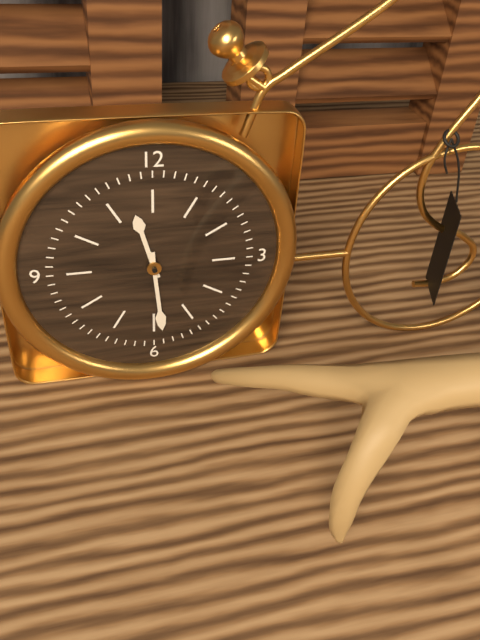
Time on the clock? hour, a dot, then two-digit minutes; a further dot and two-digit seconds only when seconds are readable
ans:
11.29
